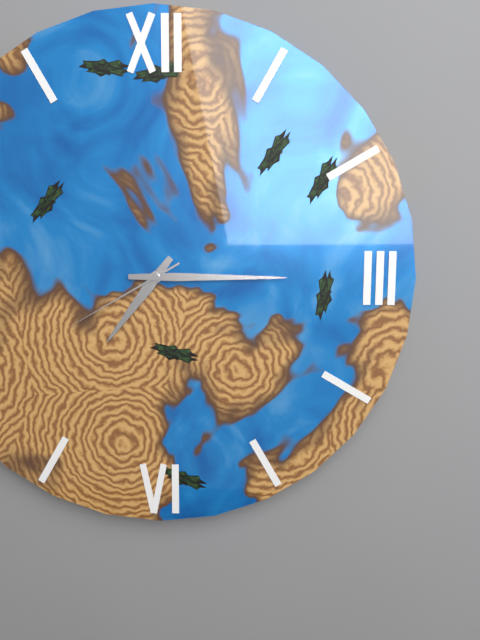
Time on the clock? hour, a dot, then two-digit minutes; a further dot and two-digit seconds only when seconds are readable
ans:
7.15.40
